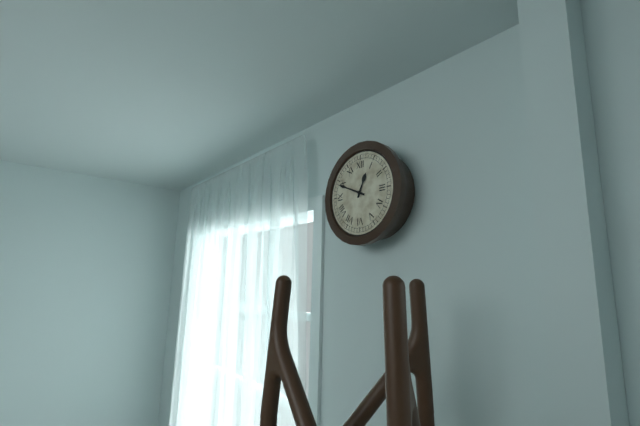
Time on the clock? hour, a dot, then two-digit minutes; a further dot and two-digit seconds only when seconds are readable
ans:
12.49
